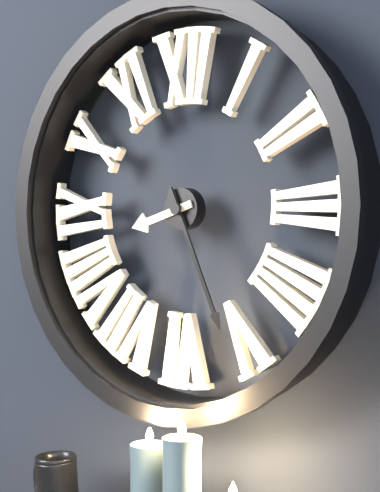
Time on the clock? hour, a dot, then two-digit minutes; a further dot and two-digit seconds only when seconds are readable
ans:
8.26
